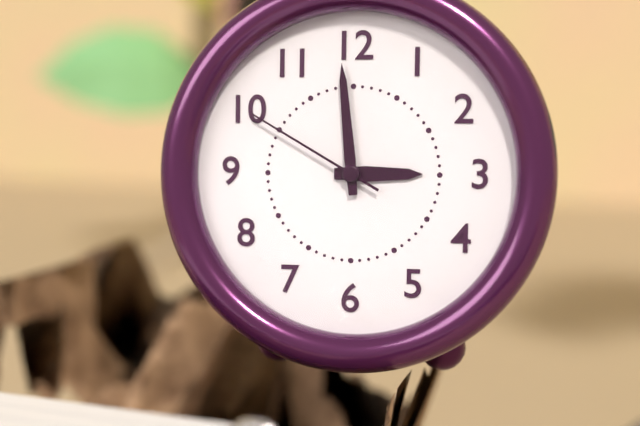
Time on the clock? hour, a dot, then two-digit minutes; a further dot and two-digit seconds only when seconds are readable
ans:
2.59.50
